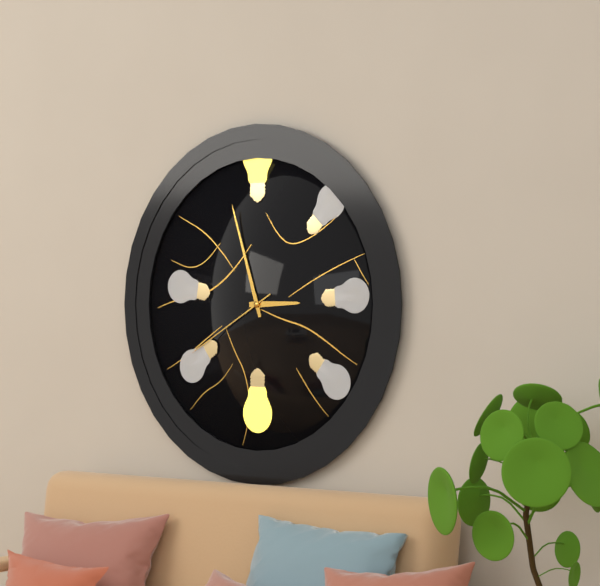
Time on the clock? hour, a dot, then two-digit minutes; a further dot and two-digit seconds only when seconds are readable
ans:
2.57.40
